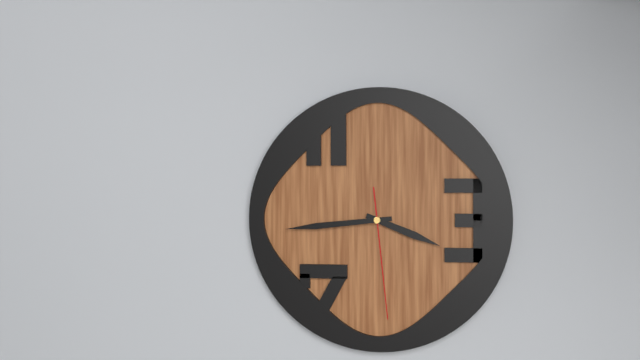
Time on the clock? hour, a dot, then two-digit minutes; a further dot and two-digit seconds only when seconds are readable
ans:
3.44.29
